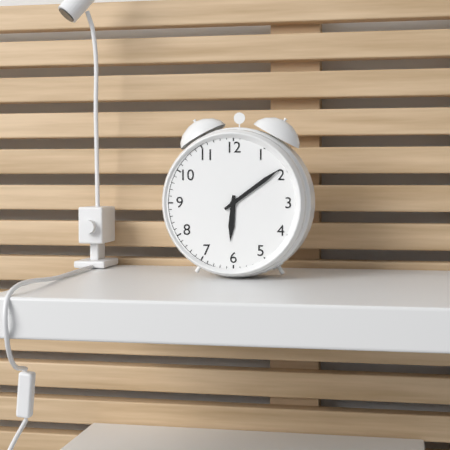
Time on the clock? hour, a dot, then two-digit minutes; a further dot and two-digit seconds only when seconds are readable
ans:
6.09
